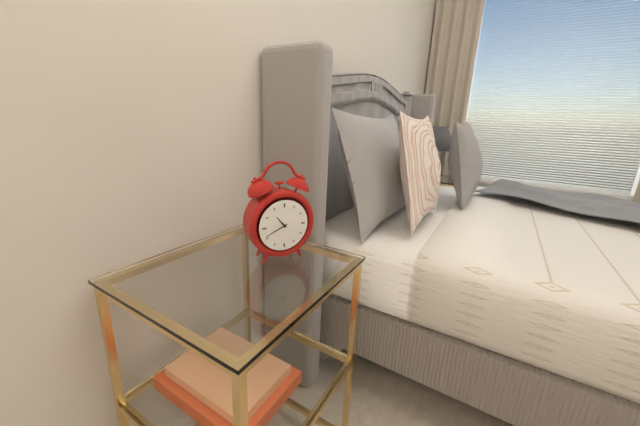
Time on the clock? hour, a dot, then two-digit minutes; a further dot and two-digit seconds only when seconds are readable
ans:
10.41
